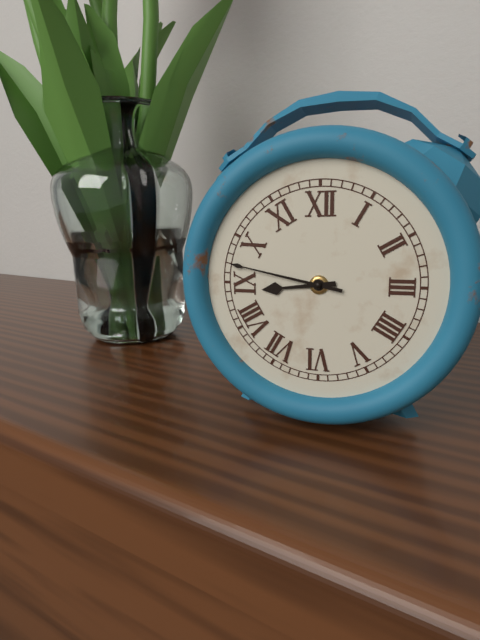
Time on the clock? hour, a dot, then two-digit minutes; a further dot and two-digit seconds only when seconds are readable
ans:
8.47
